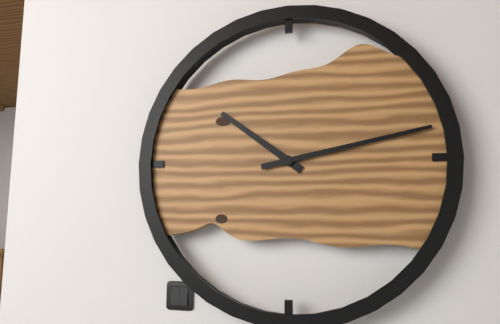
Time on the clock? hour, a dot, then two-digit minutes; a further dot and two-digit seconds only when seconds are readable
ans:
10.13
